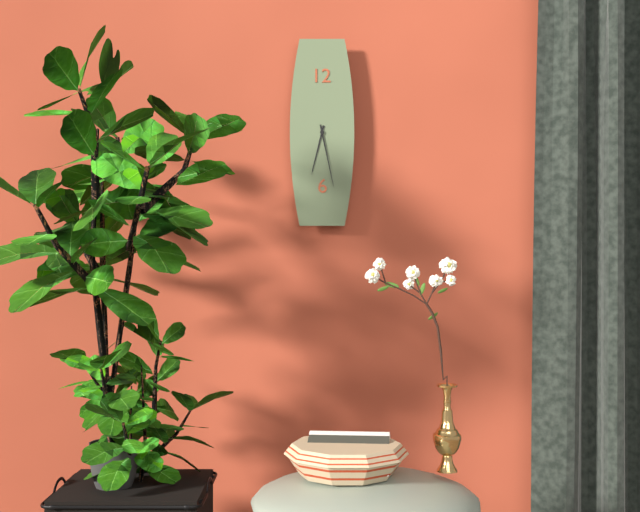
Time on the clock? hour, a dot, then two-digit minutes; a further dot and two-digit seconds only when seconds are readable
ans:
6.28
